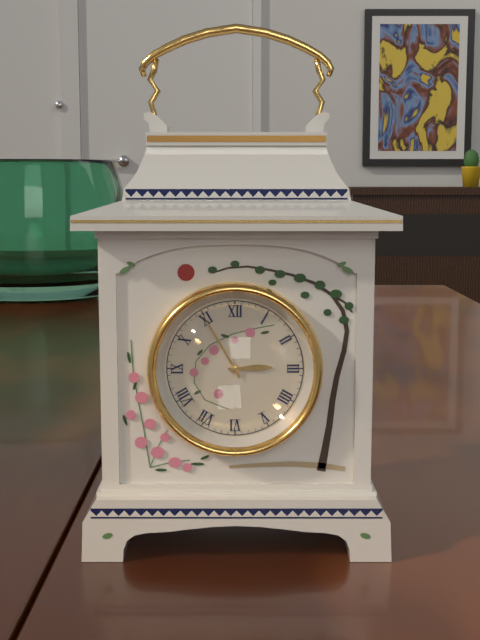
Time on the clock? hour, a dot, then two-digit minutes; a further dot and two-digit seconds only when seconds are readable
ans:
2.55
